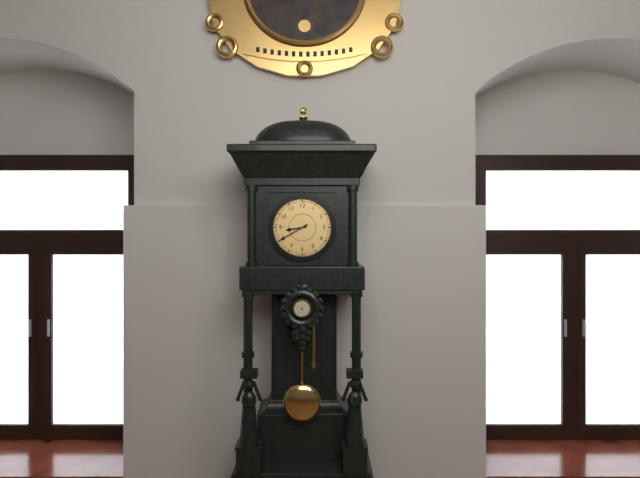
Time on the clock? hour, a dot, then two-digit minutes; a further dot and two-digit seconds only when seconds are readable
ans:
8.40
